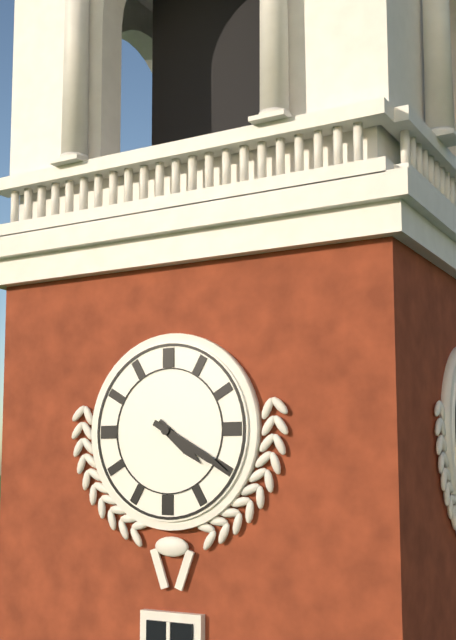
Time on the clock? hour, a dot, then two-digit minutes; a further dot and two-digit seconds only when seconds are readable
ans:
4.20
